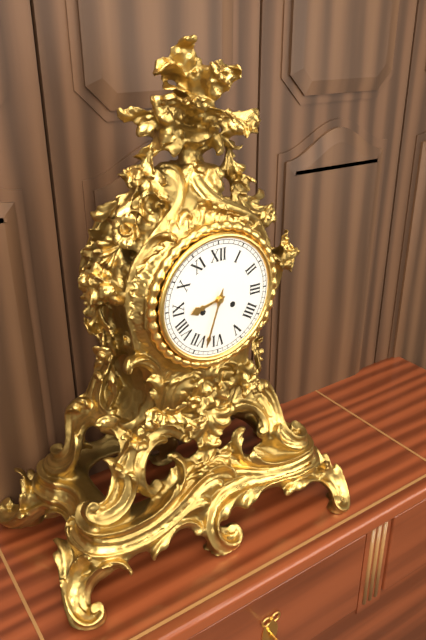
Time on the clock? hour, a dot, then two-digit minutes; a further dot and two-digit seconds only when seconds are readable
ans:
8.33
